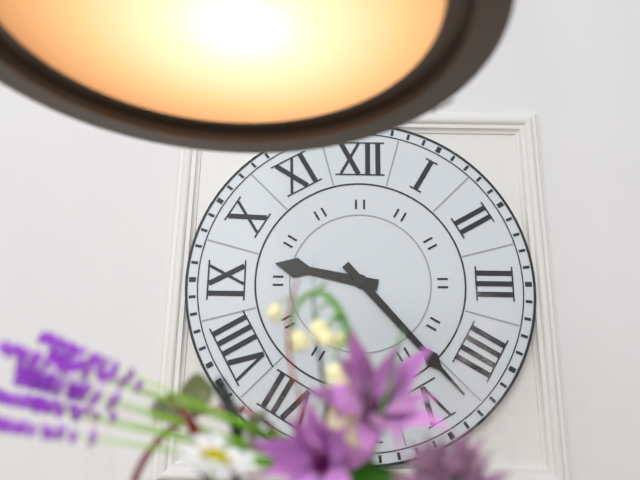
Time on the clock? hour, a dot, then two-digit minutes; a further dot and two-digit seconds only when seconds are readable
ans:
9.23
